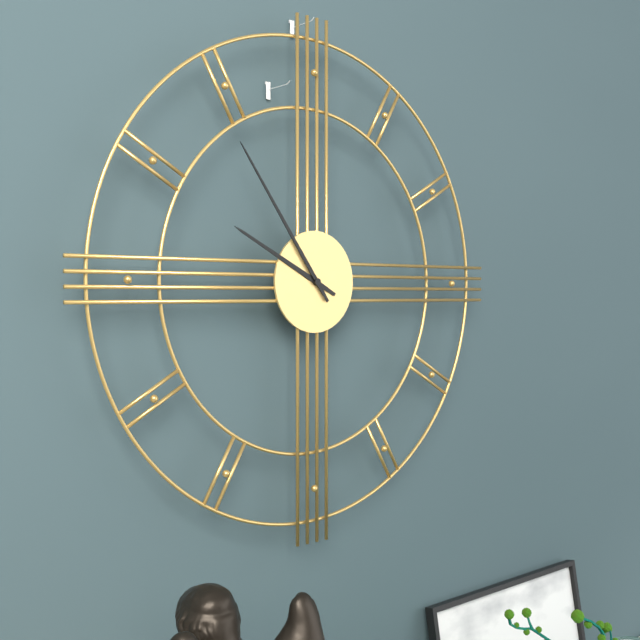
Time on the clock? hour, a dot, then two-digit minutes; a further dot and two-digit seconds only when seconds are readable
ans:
9.54
